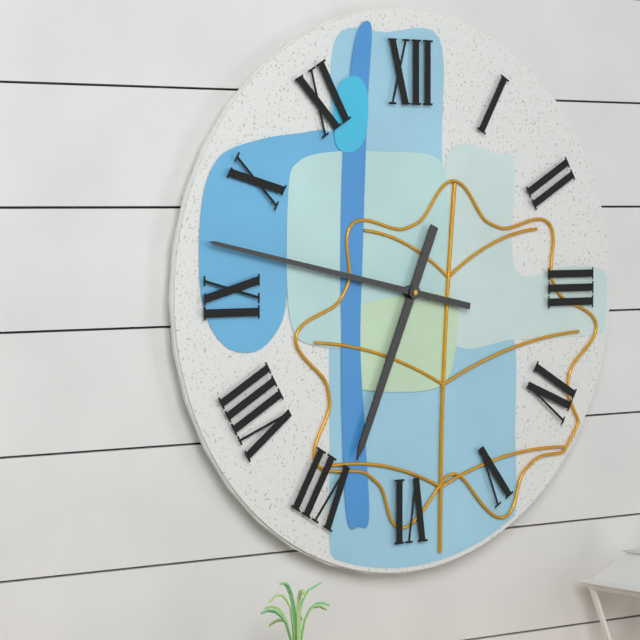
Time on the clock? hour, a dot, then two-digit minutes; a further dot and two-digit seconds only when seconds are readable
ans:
6.47
